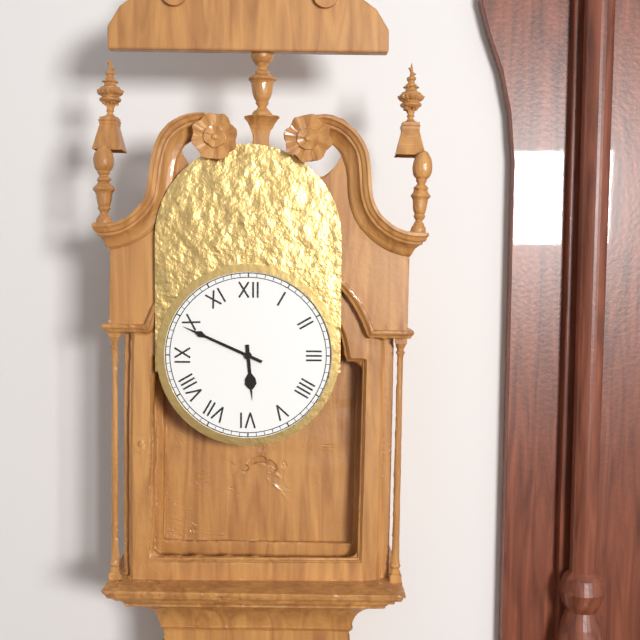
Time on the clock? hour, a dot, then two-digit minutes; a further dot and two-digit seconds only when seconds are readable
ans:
5.49
